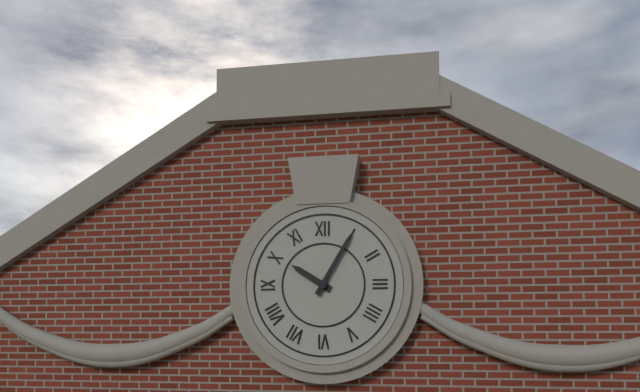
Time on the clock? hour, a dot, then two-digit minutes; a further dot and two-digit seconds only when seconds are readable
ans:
10.05
